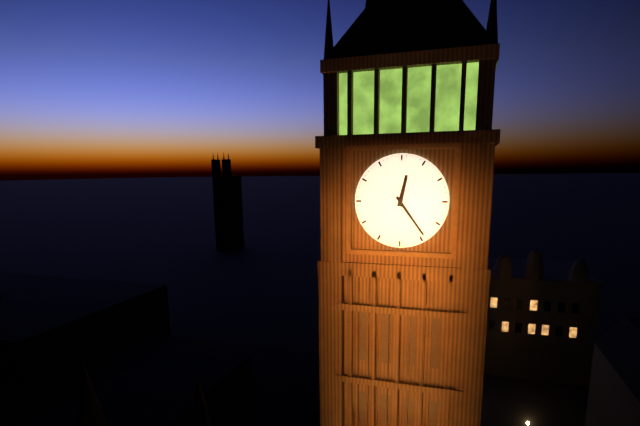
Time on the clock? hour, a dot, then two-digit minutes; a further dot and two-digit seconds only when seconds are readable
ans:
12.24
